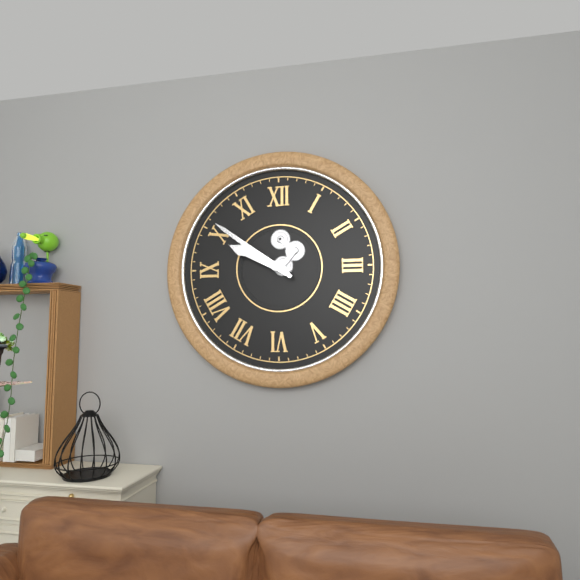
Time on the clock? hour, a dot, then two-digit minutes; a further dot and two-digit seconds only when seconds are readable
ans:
9.51
